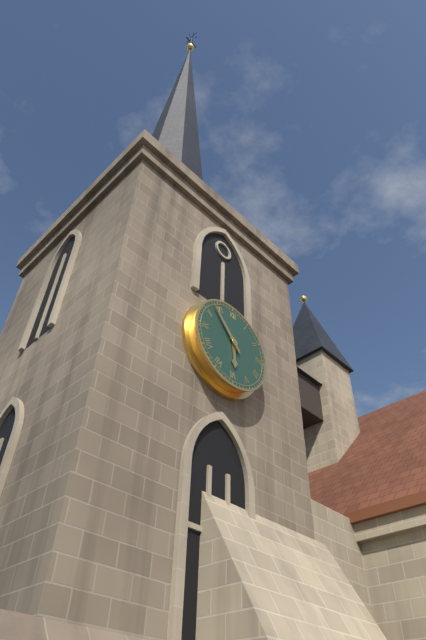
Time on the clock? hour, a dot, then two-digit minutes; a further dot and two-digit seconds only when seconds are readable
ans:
5.53
